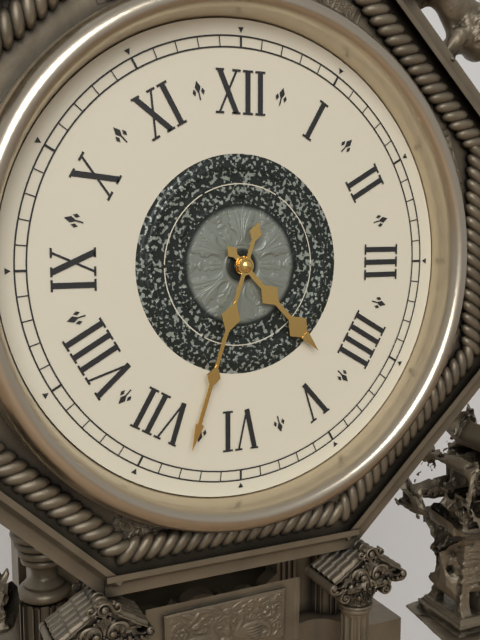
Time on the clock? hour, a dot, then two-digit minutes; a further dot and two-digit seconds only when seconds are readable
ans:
4.33
